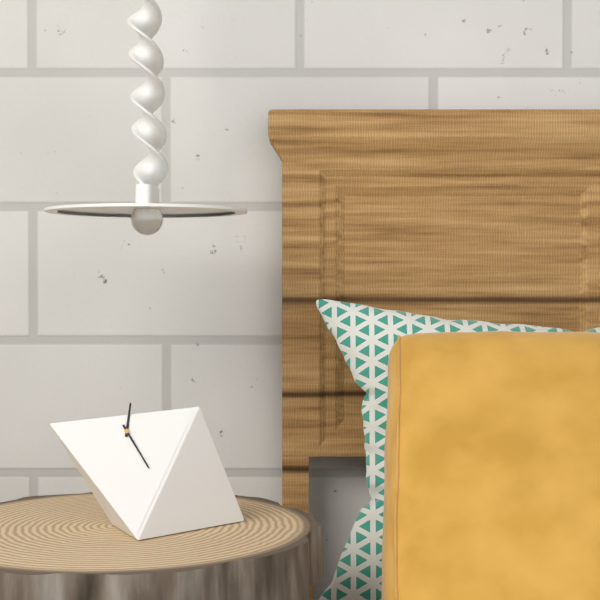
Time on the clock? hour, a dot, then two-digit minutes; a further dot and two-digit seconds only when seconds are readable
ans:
12.26
